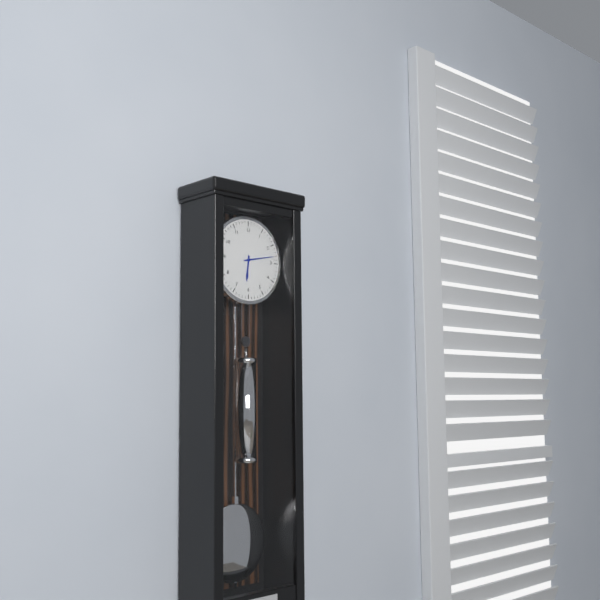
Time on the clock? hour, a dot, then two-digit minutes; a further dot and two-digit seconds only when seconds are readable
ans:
6.13
